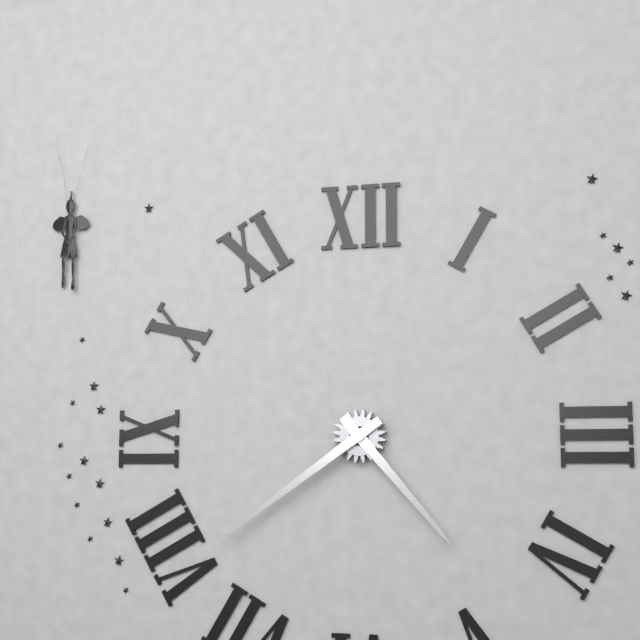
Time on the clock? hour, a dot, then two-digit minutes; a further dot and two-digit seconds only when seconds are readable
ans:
4.39
